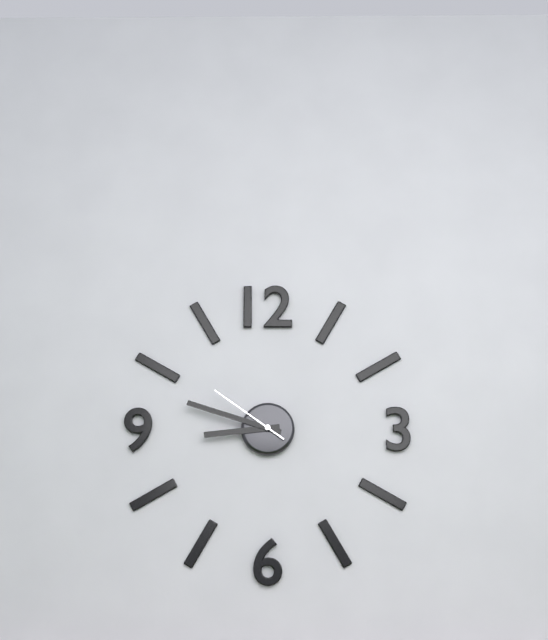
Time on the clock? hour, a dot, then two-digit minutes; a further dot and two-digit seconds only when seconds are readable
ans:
8.48.51
